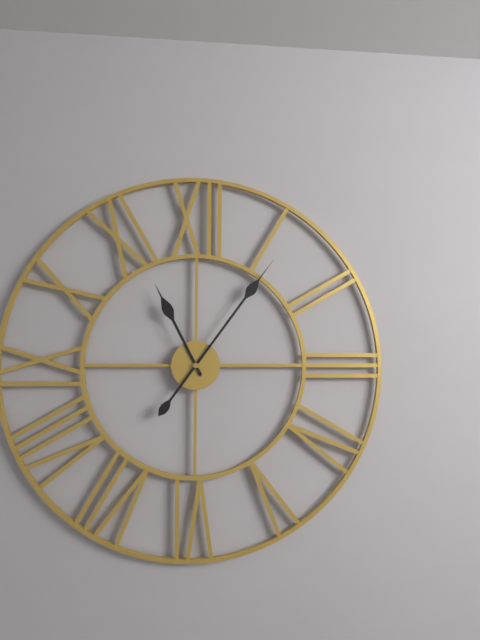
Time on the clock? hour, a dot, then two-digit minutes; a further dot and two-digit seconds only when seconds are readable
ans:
11.06
